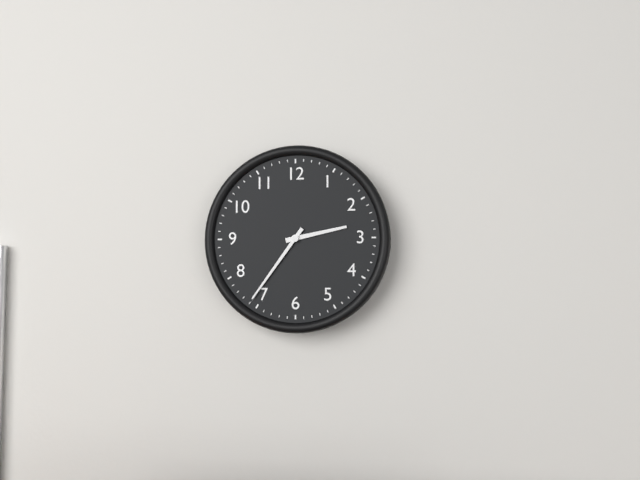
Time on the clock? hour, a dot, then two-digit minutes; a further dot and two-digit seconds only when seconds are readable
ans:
2.36
